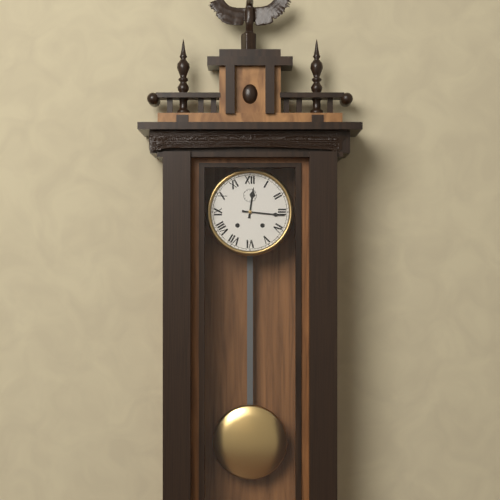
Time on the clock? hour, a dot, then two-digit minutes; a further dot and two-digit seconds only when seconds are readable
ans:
12.16
